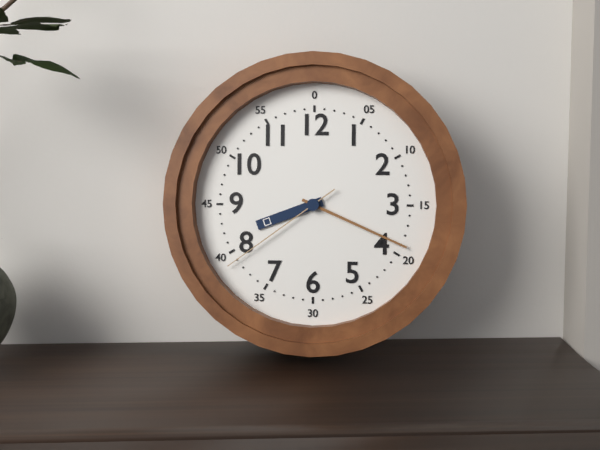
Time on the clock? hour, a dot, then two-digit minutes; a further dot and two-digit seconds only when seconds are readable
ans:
8.19.39
